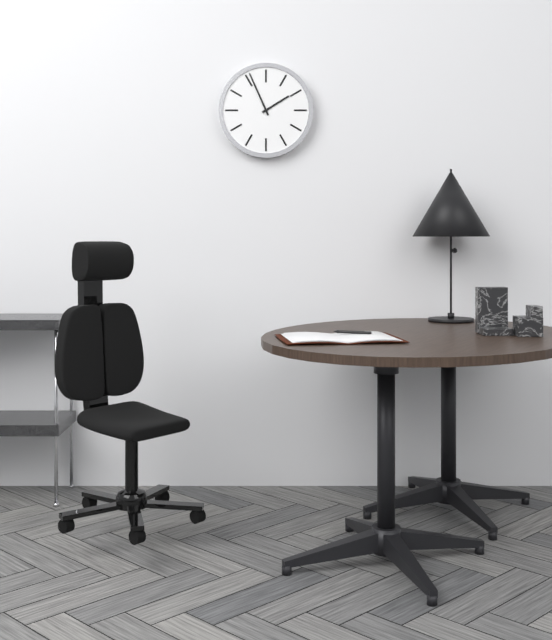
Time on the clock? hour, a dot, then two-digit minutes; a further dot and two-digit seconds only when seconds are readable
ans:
1.56
